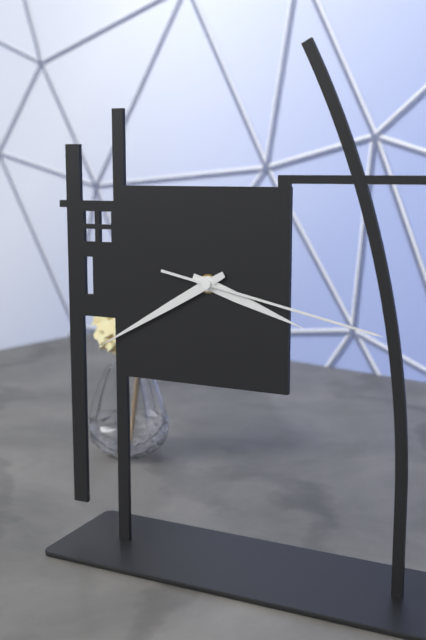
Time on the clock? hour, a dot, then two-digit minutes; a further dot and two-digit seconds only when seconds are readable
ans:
3.40.17
